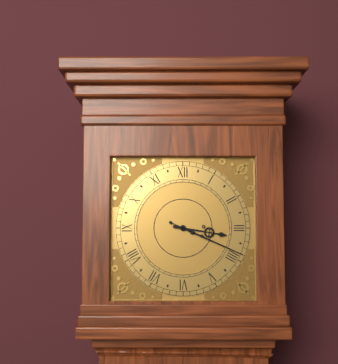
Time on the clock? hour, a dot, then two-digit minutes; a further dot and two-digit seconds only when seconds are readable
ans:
3.19
